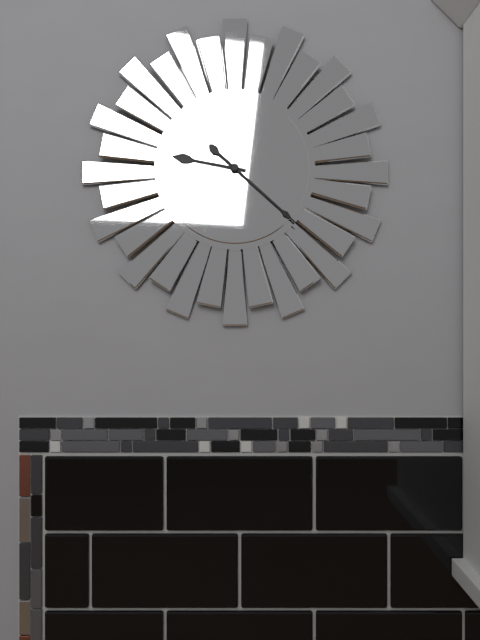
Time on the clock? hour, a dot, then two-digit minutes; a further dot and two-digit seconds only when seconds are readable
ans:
9.22
